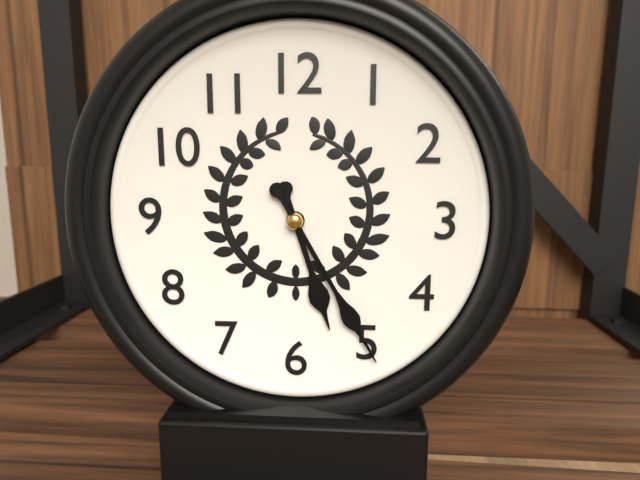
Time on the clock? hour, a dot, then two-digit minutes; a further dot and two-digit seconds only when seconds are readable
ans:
5.25
